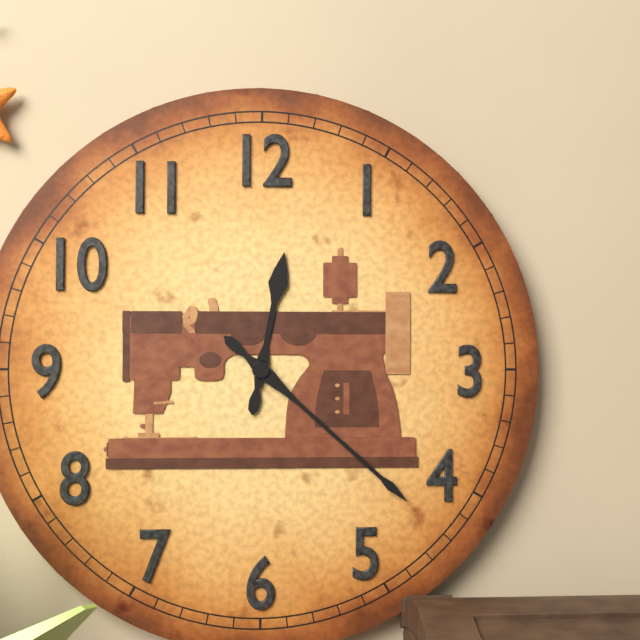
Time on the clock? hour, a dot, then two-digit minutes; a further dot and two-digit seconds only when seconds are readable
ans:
12.22
